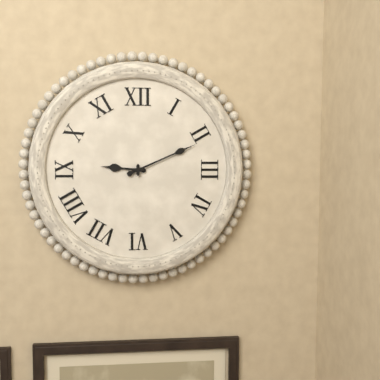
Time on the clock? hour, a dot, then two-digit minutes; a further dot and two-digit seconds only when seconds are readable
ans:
9.11
